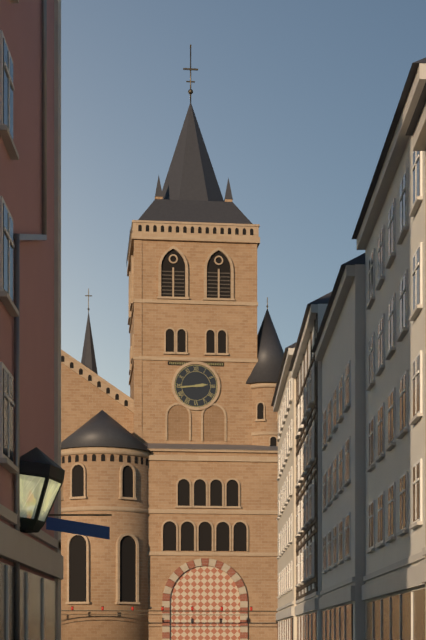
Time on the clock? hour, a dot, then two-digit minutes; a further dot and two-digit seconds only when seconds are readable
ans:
2.44
